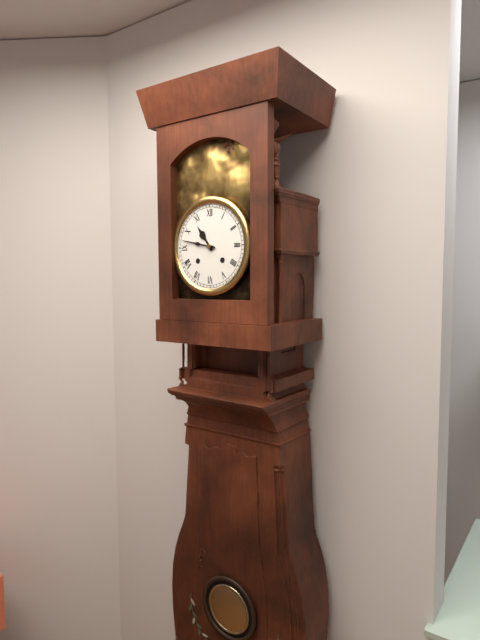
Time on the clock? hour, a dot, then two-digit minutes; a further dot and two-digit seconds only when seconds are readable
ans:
10.47
